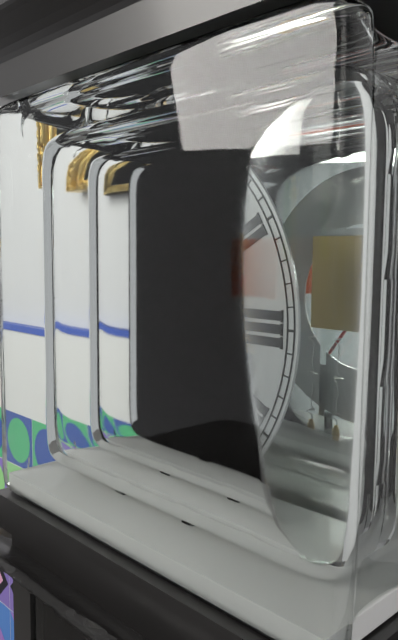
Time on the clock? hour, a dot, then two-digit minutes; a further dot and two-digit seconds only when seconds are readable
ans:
10.36
